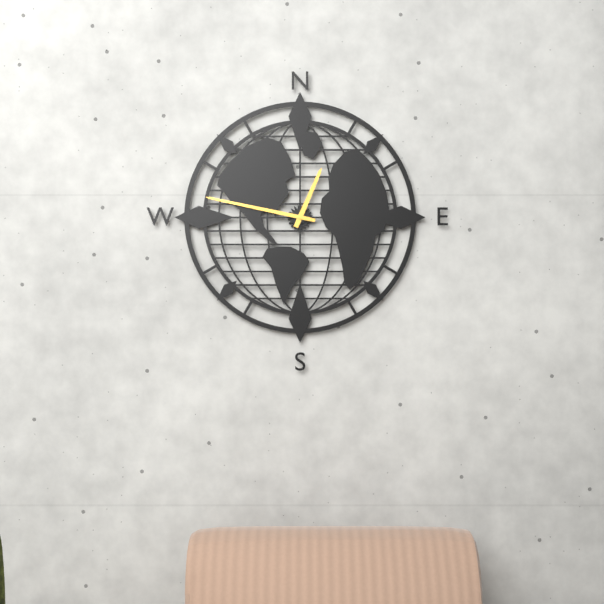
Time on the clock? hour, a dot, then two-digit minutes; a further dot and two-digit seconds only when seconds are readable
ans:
12.47
